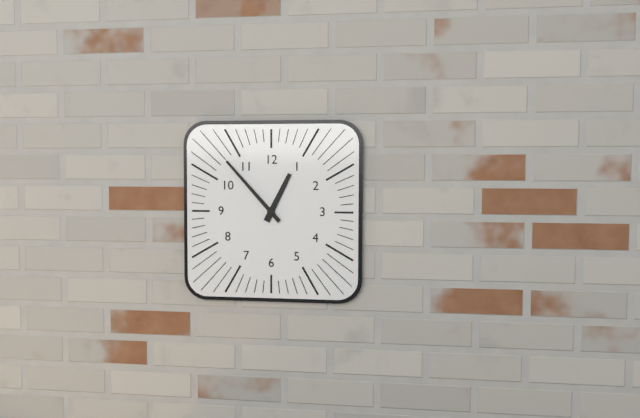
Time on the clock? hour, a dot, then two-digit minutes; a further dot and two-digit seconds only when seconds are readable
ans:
12.53
